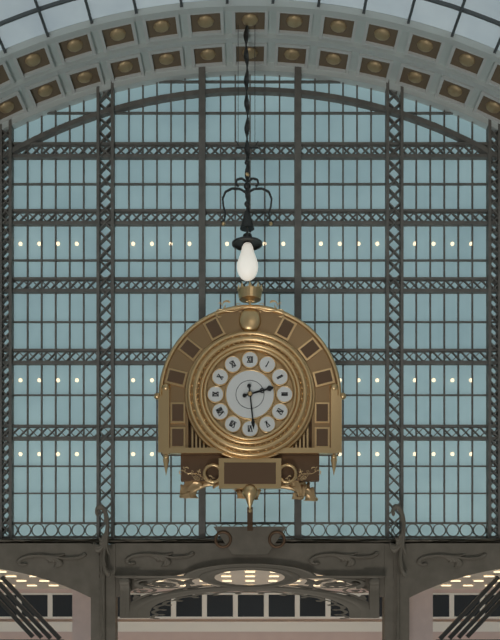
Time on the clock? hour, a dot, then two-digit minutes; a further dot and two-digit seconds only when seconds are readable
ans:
2.29
